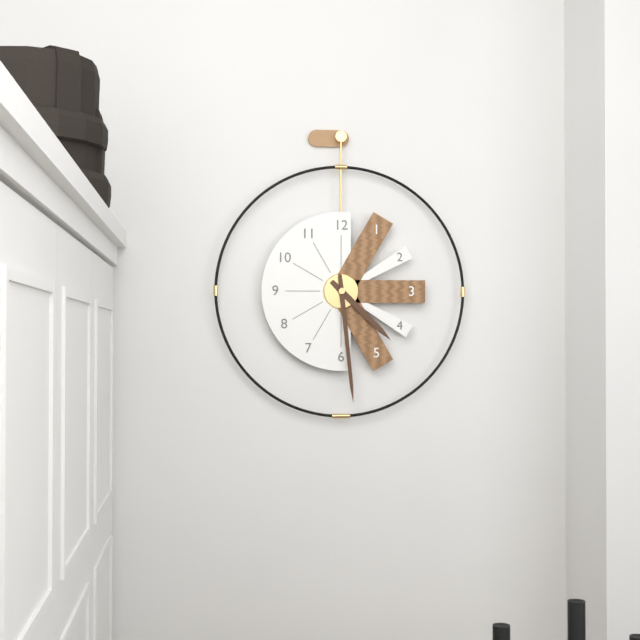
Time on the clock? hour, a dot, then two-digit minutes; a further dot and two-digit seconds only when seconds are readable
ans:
4.29
